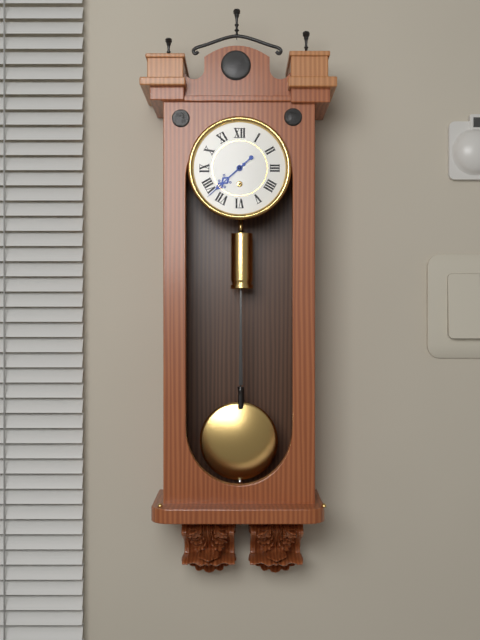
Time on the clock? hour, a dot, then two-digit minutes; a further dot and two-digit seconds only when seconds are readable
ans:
7.38
